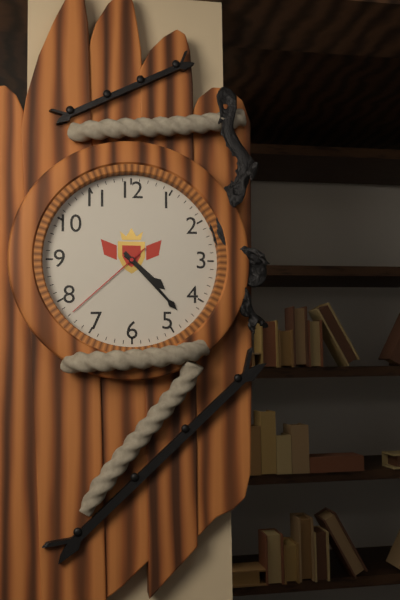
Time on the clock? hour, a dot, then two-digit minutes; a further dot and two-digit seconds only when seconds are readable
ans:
4.23.38
